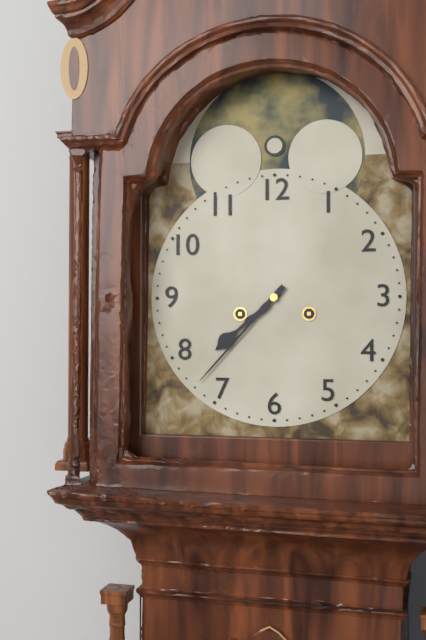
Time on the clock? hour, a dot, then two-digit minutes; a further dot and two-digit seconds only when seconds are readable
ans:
7.37
